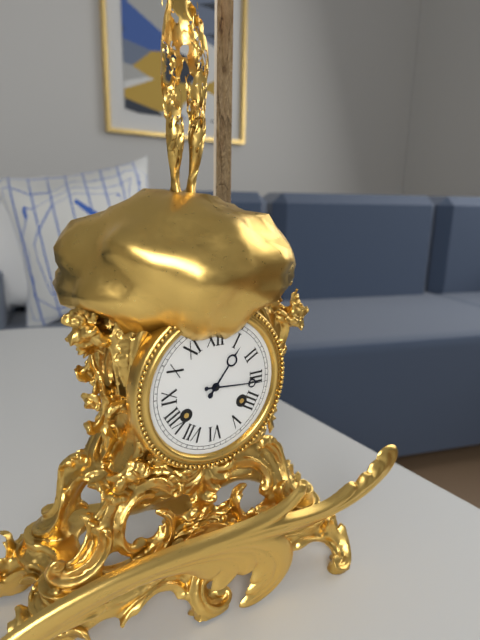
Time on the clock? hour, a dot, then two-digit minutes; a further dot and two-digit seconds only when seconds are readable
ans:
1.16
